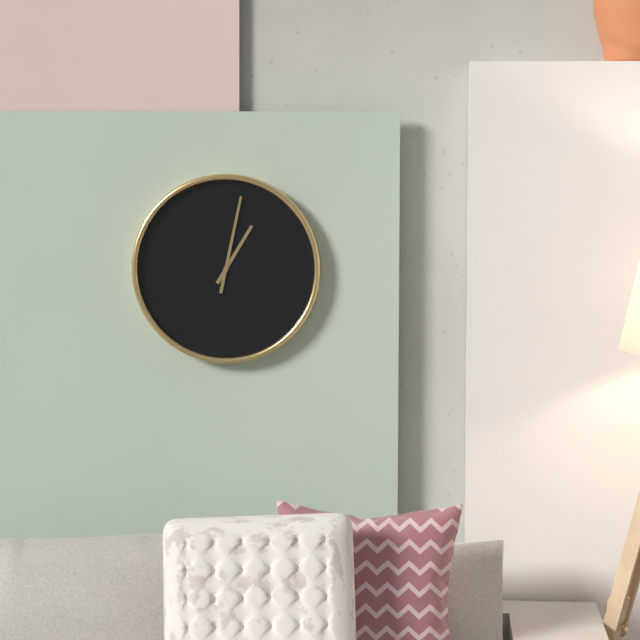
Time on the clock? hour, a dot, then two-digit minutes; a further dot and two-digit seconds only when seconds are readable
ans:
1.02
